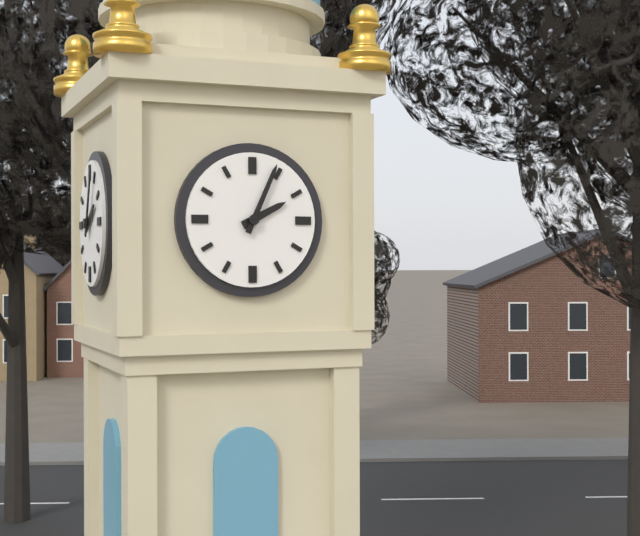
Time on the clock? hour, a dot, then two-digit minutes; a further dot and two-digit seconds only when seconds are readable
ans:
2.04
